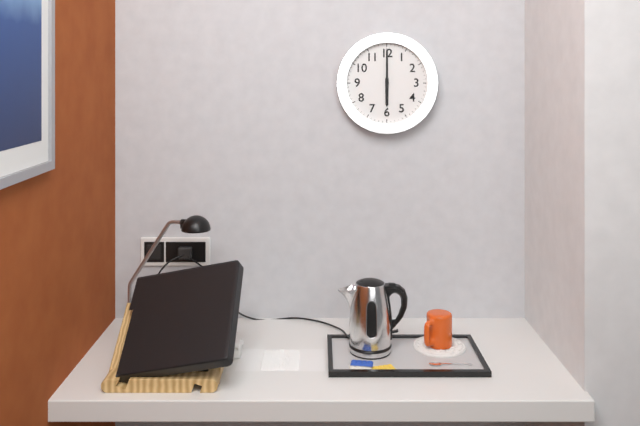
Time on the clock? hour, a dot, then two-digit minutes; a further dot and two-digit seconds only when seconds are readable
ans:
6.00
